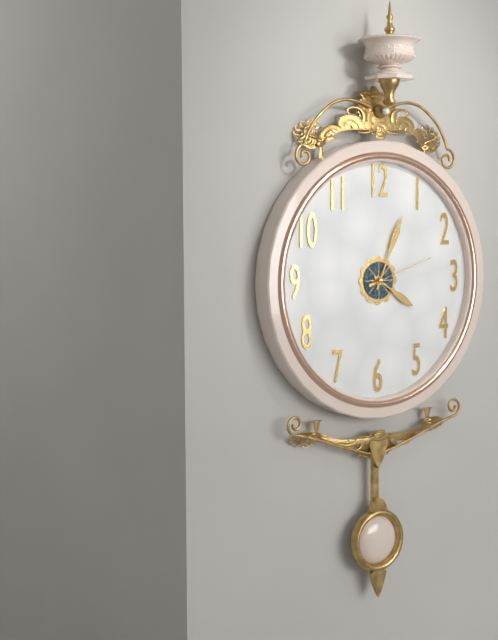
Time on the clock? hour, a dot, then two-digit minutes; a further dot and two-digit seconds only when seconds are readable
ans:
4.04.12
